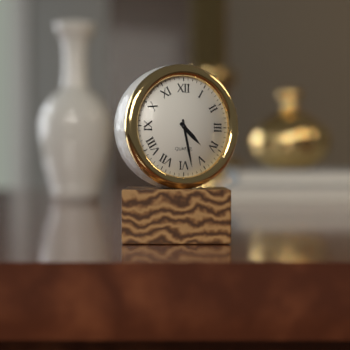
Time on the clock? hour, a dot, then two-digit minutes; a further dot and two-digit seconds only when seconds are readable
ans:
4.28
